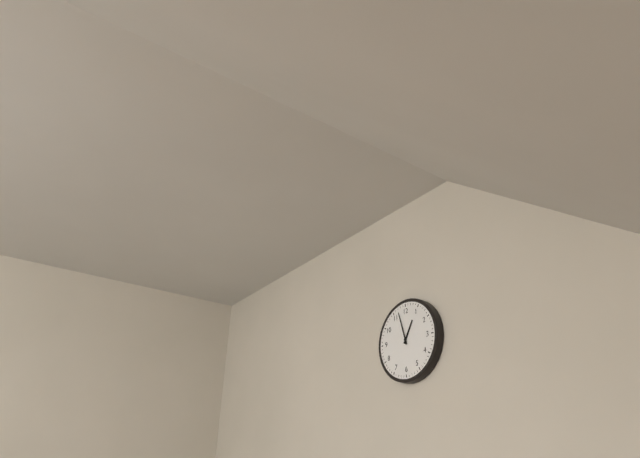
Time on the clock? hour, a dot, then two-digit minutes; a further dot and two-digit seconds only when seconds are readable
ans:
12.57
